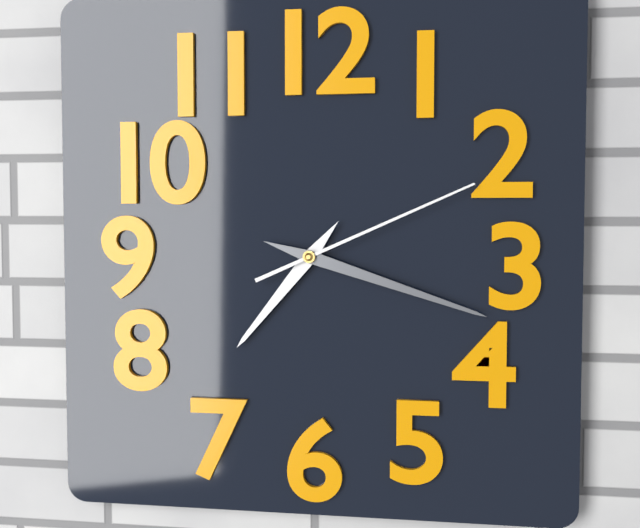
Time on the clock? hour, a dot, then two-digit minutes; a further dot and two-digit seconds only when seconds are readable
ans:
7.18.11
